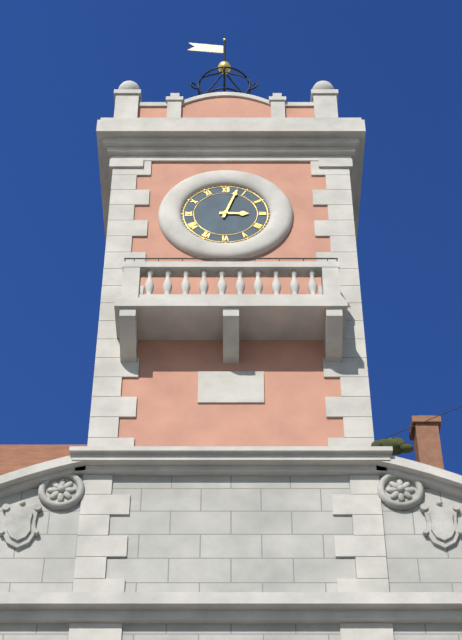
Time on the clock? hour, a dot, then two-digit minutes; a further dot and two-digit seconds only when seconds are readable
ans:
3.03
